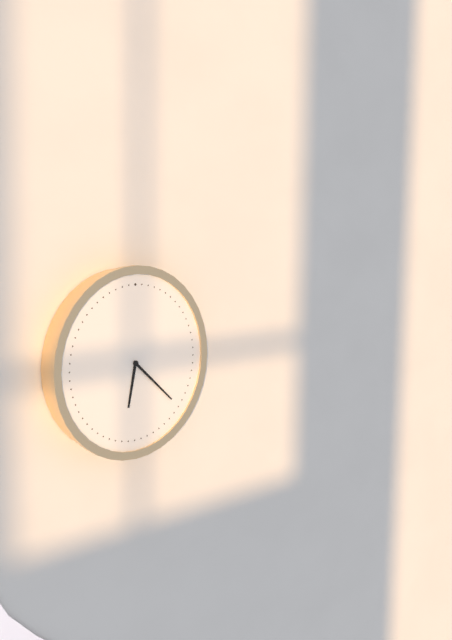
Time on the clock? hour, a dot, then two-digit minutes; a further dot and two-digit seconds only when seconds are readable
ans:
6.22
